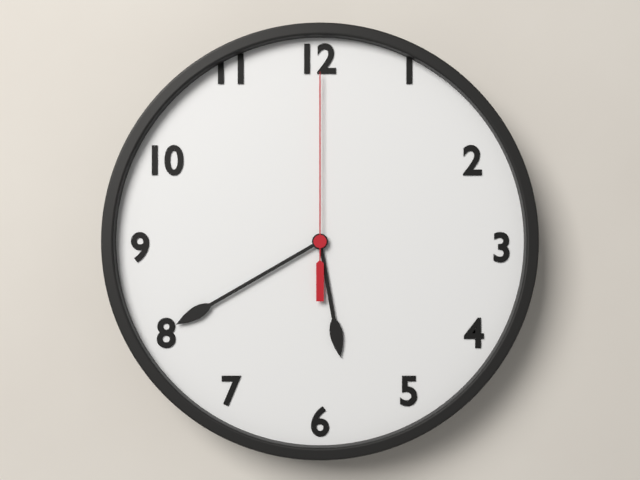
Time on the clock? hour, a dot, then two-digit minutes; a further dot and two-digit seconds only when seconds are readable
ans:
5.40.00
